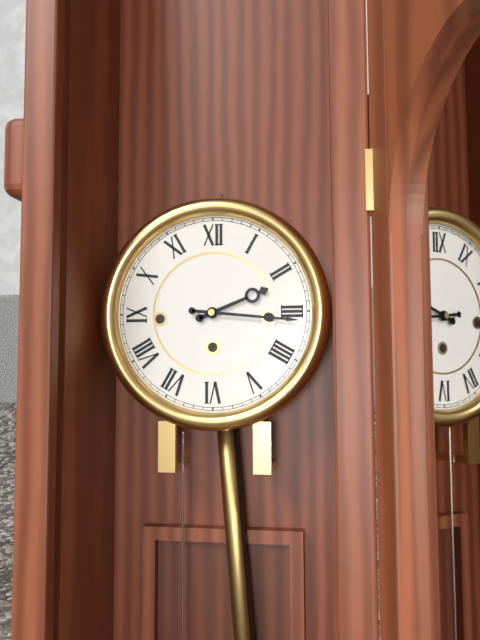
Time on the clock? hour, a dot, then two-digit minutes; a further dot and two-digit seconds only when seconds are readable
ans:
2.16
